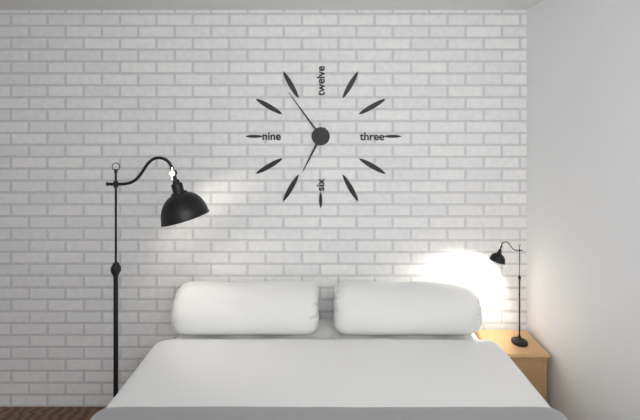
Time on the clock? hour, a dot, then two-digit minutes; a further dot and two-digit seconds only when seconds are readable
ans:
6.54
